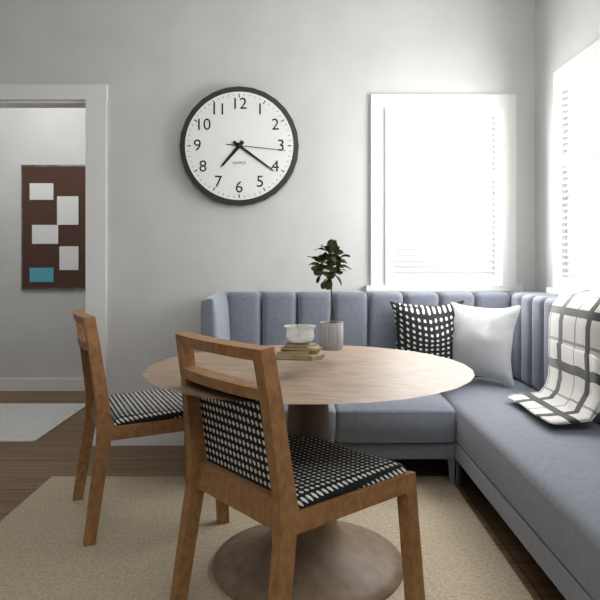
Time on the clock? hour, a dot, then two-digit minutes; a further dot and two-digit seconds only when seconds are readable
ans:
7.21.16
